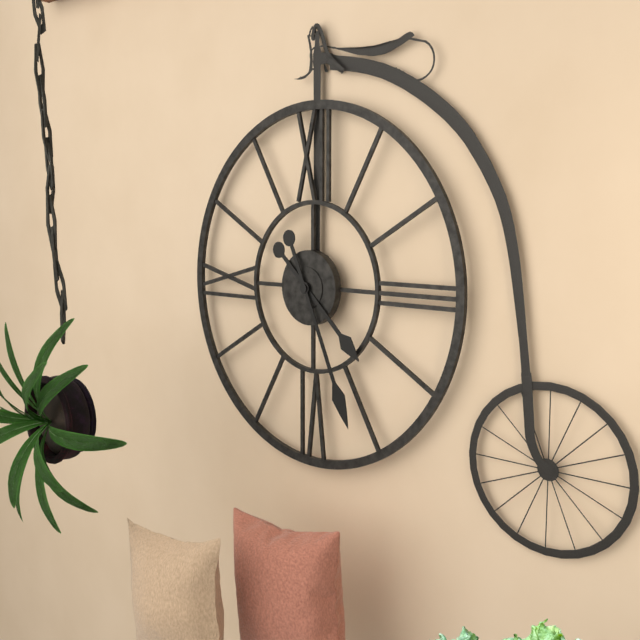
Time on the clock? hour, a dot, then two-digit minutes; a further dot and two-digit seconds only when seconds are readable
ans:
4.26
